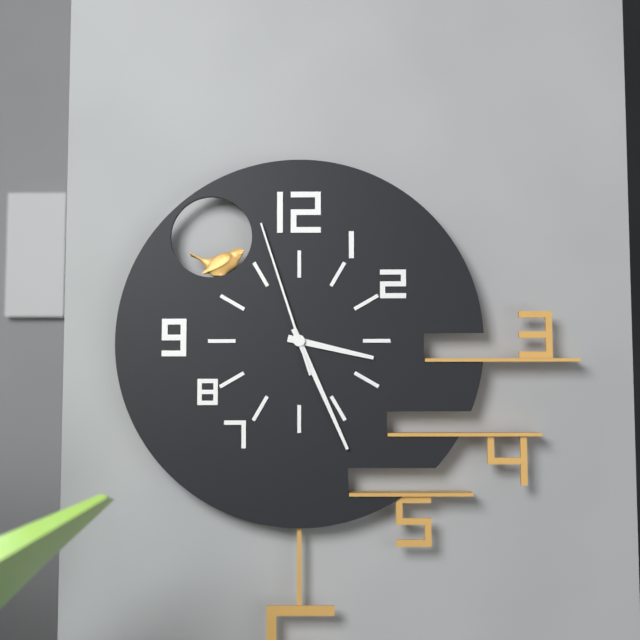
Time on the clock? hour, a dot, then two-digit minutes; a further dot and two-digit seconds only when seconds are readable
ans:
3.26.57
